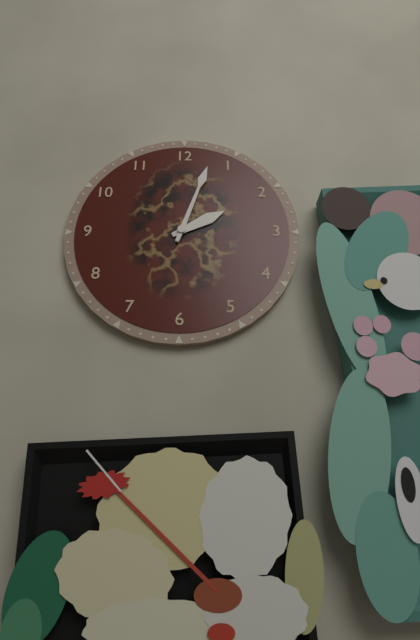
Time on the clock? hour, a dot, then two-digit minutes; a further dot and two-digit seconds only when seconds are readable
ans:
2.03
